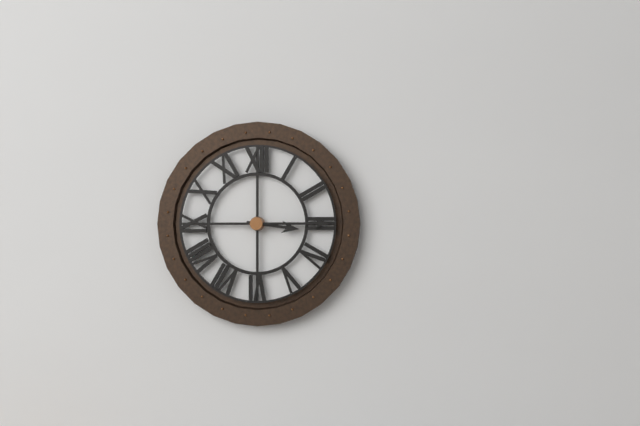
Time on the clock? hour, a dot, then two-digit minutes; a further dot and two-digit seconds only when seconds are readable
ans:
3.15
